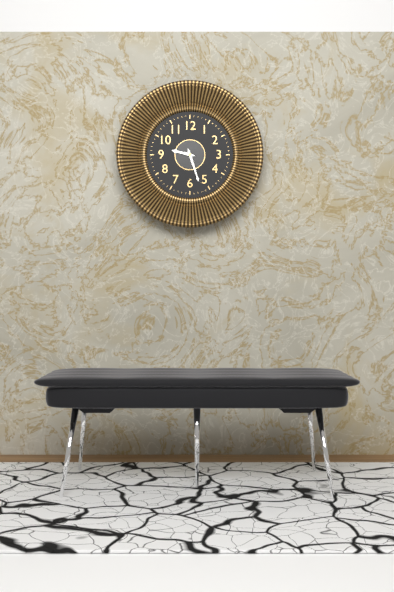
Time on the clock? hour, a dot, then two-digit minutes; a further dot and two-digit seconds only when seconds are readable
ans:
9.27
